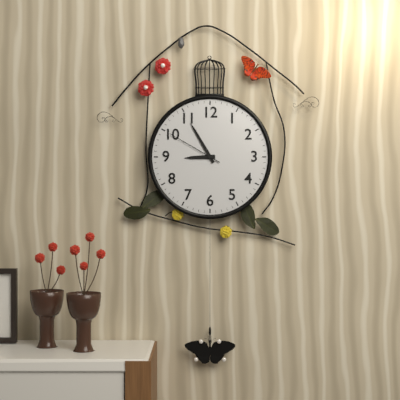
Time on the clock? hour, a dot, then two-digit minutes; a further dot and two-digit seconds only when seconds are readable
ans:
8.55.50
